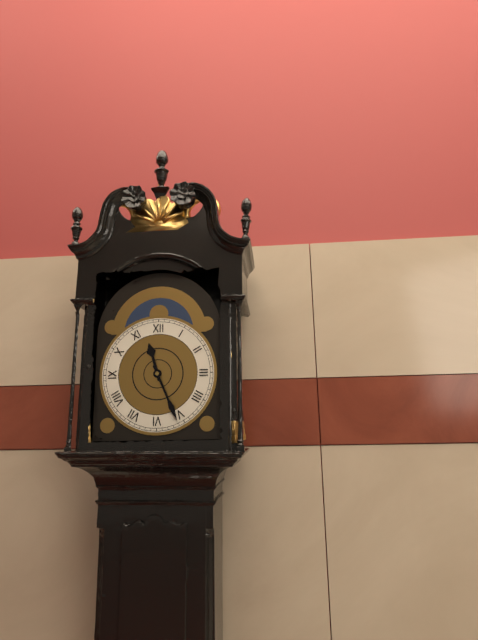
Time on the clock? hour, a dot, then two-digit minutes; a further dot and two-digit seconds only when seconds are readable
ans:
11.26
